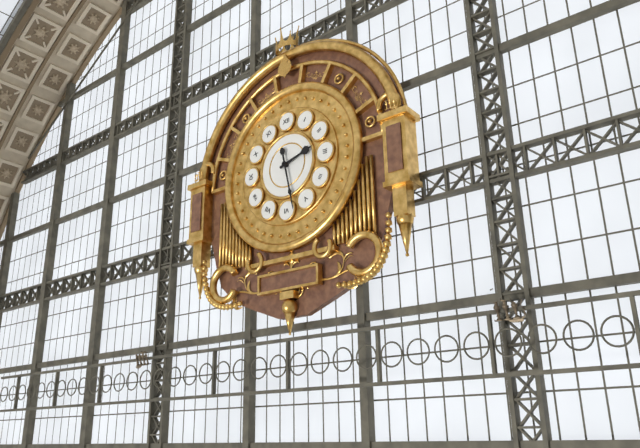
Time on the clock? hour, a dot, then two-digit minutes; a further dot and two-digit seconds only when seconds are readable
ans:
2.28
